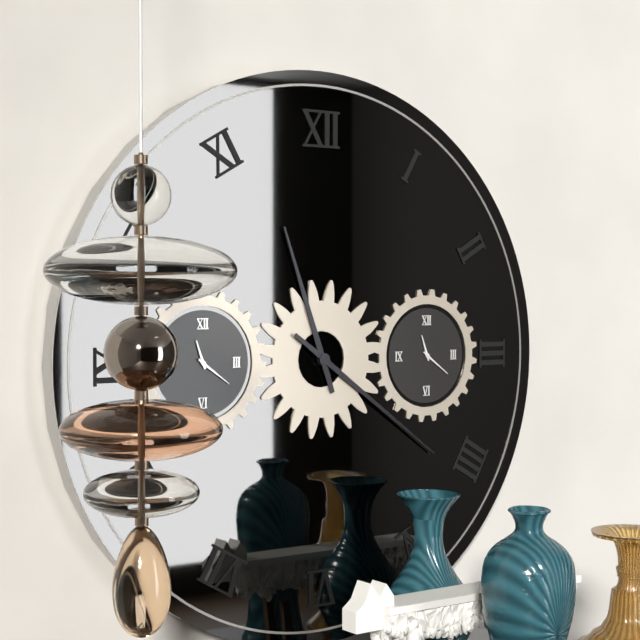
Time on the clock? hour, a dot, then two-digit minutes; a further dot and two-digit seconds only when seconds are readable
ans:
11.21
